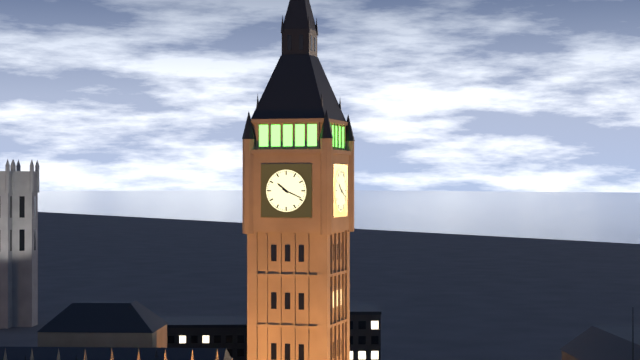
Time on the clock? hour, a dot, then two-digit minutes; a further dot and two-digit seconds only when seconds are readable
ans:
10.19
